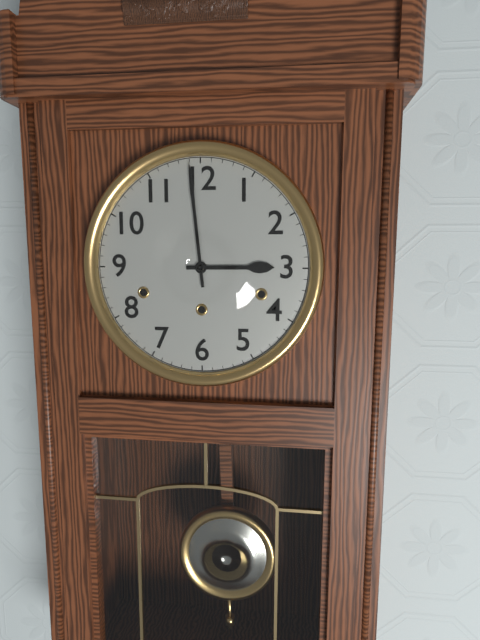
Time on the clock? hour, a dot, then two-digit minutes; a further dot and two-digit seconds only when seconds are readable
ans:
2.59
